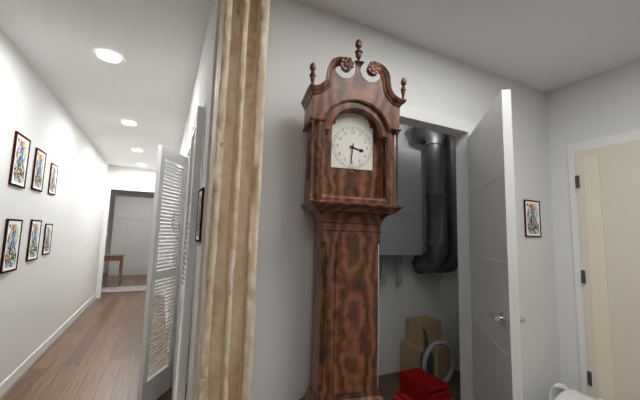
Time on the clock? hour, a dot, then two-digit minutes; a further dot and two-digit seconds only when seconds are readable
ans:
3.31
